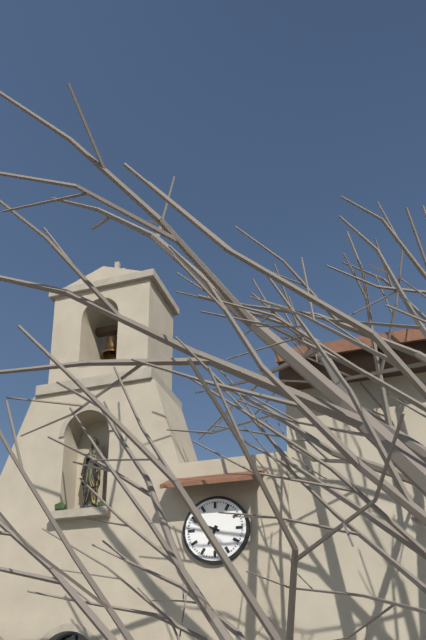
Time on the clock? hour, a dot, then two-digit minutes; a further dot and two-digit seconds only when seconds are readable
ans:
6.49
